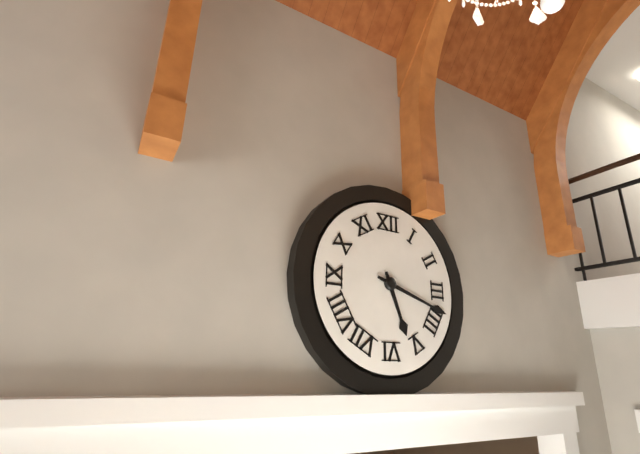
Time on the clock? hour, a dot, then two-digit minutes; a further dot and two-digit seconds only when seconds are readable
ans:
5.18
